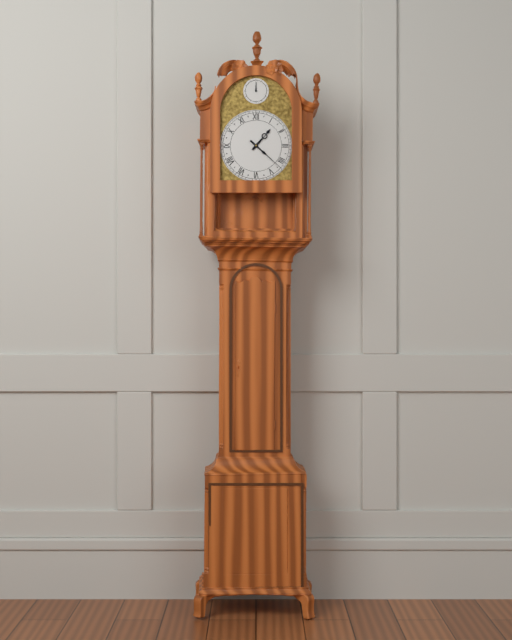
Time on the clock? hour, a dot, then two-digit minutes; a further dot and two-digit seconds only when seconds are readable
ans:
1.22
